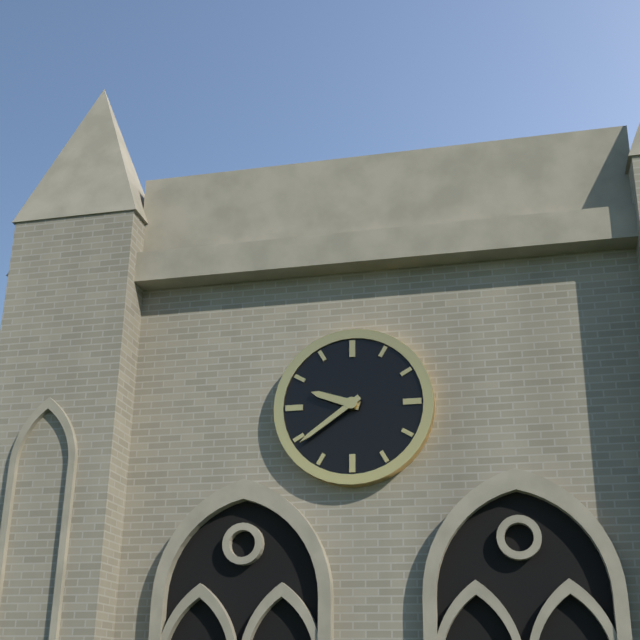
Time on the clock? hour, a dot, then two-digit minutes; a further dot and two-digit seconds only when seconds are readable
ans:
9.39
